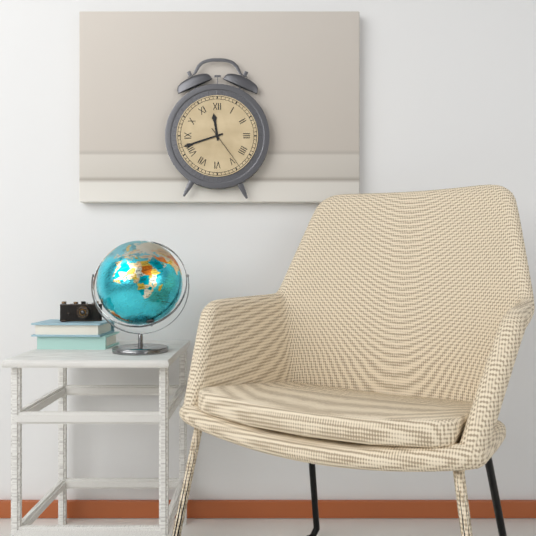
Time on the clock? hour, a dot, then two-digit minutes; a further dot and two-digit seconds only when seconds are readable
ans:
11.42
